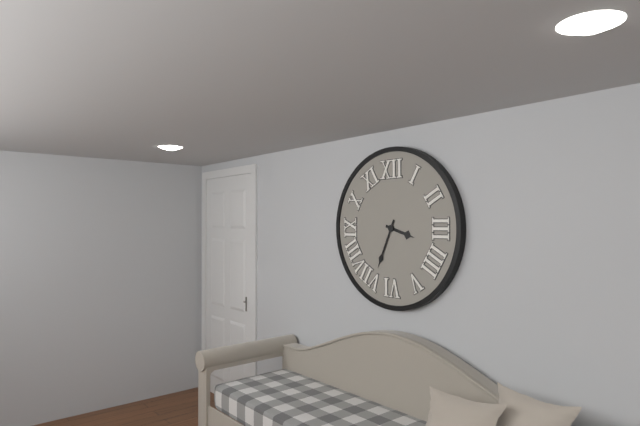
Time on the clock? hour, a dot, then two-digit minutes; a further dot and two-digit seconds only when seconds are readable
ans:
3.34
